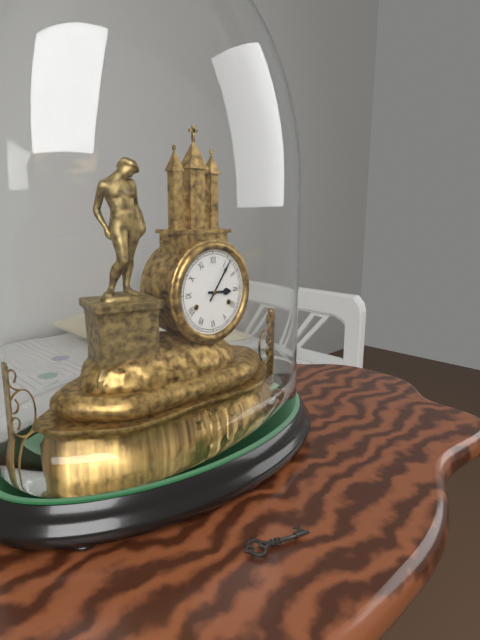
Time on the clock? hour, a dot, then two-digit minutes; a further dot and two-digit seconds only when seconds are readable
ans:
3.06
